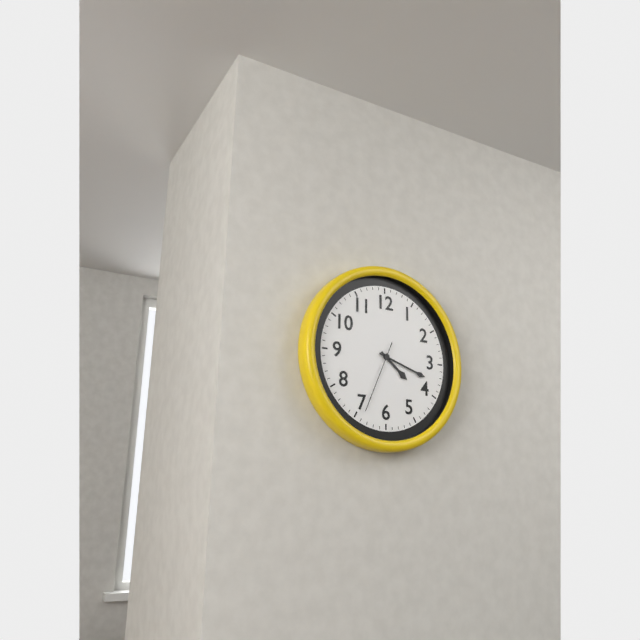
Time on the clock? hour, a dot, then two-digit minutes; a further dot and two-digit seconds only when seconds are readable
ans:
4.18.34
